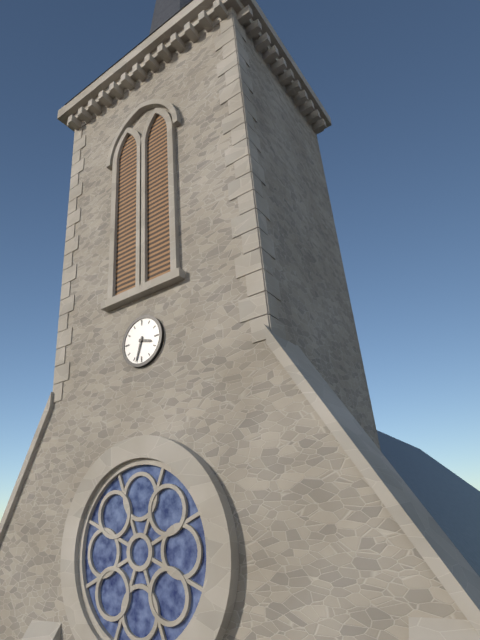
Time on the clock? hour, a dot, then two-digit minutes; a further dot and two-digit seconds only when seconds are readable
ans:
3.33
